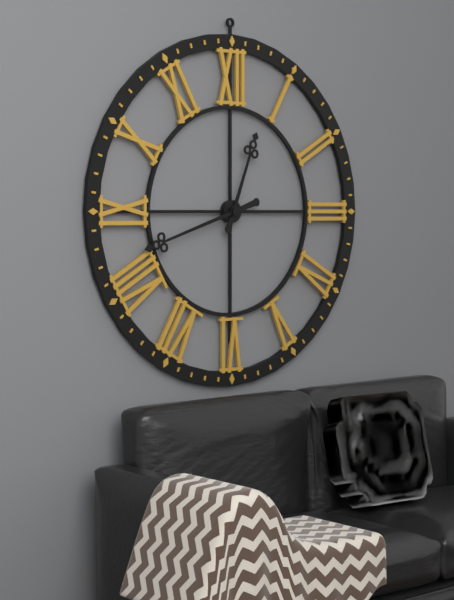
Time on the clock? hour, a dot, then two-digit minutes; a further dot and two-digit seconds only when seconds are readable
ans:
12.42
